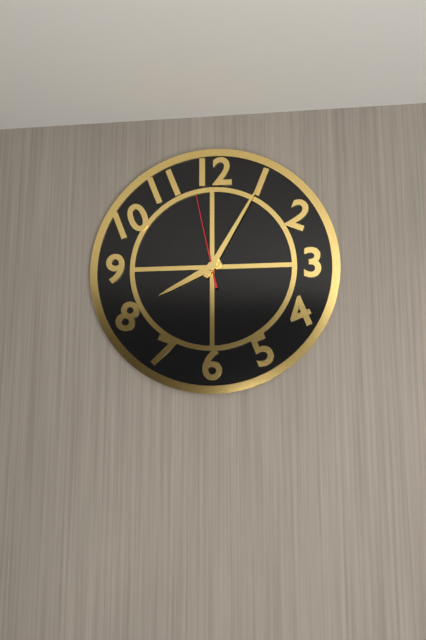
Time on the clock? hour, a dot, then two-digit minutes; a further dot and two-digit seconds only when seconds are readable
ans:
8.05.58
